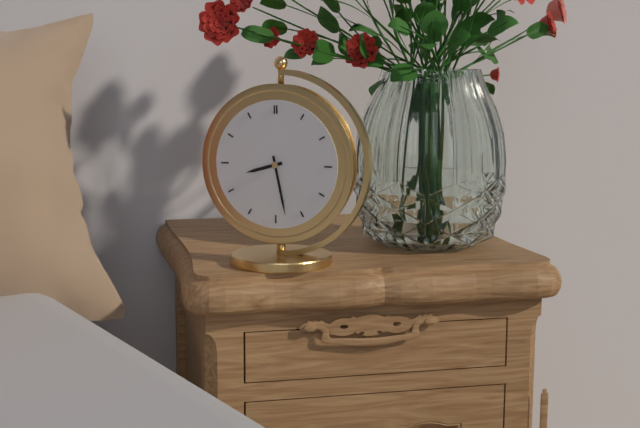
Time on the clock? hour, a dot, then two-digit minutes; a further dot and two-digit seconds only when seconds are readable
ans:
8.28
